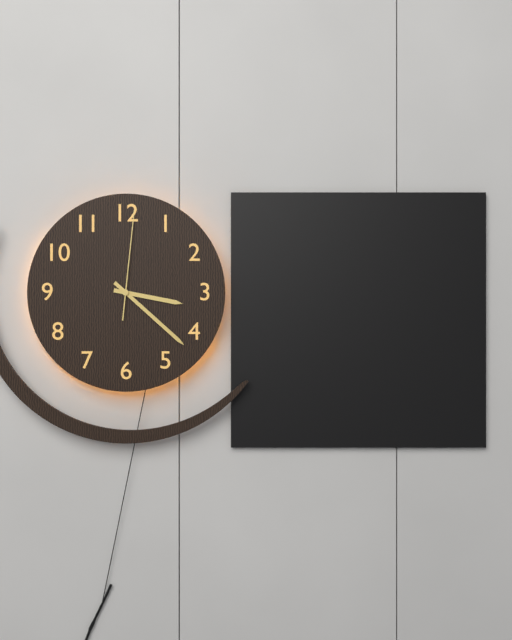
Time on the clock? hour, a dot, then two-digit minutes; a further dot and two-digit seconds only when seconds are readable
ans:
3.22.01
